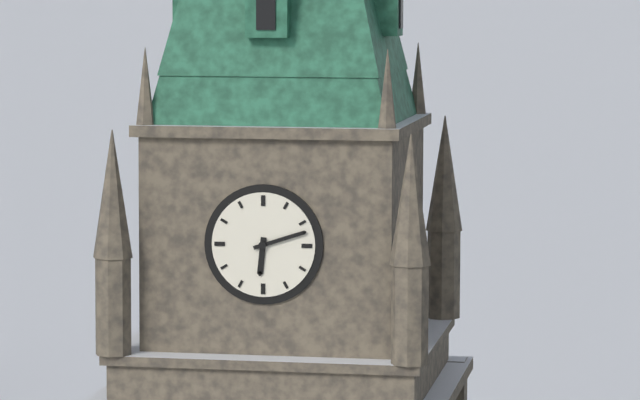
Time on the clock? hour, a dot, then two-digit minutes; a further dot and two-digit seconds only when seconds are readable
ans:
6.12
